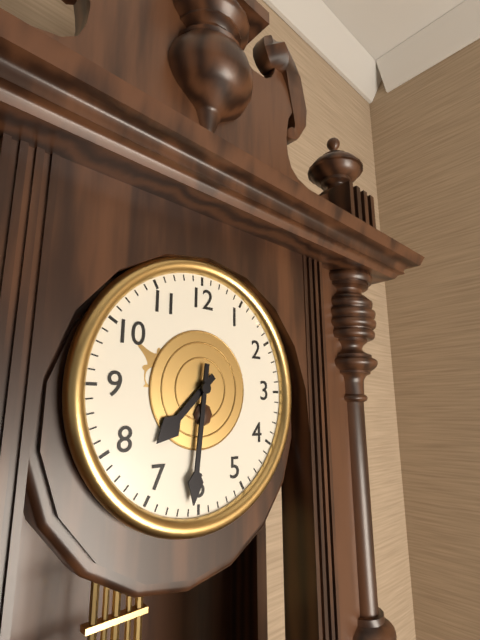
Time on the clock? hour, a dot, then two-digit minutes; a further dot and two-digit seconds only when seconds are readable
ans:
7.31
